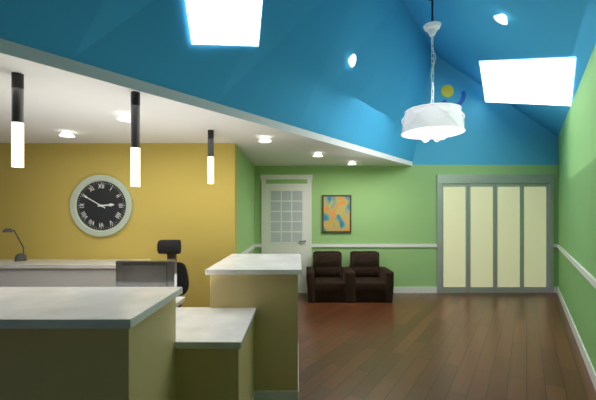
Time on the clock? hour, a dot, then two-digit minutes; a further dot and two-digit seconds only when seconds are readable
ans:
2.50
